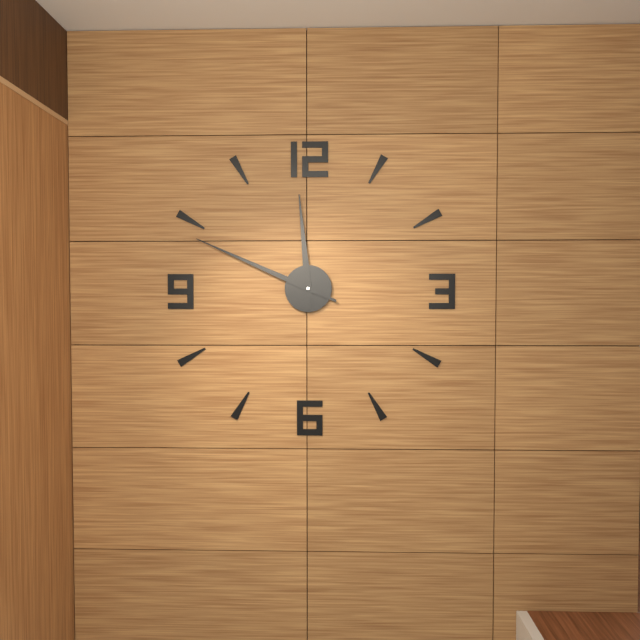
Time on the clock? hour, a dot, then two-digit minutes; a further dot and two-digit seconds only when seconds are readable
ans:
11.49
